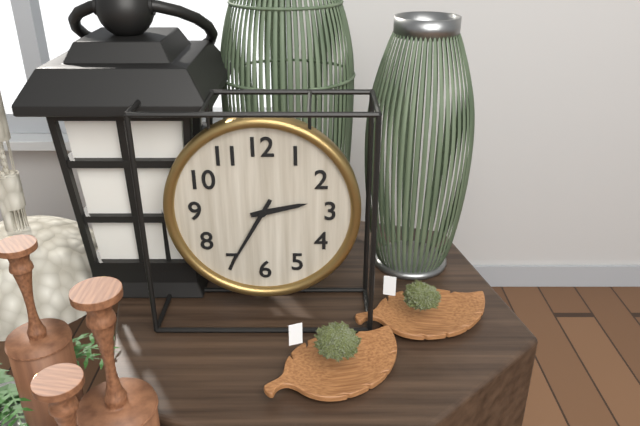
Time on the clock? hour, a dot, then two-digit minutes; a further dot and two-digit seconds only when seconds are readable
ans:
2.35
